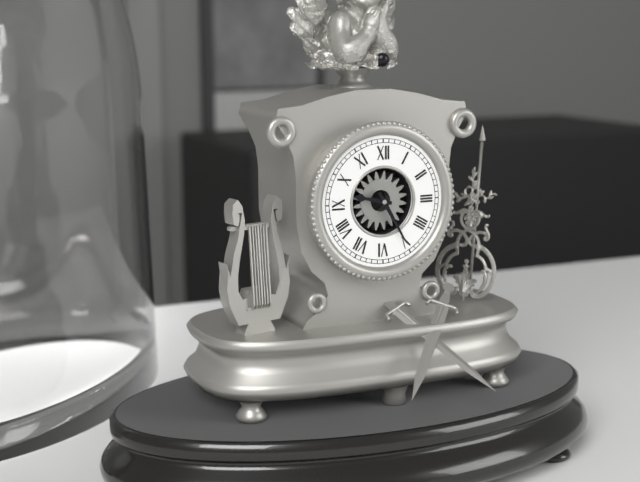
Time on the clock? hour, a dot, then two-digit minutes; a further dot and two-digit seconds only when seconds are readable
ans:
9.25
